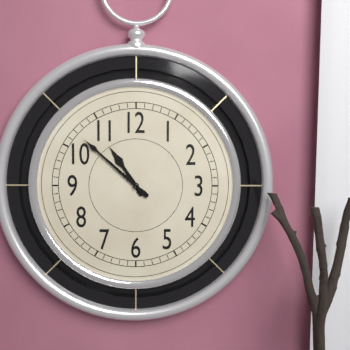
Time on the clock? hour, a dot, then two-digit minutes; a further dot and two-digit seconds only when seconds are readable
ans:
10.52
